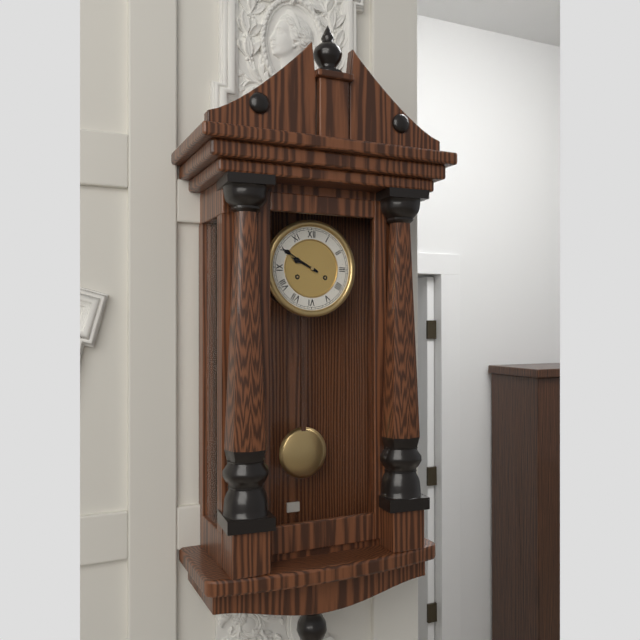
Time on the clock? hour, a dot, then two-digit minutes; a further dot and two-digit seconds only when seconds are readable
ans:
9.50
